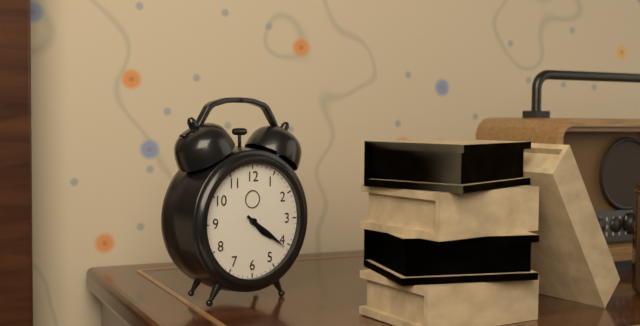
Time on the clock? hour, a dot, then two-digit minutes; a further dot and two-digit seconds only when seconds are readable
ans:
4.21
